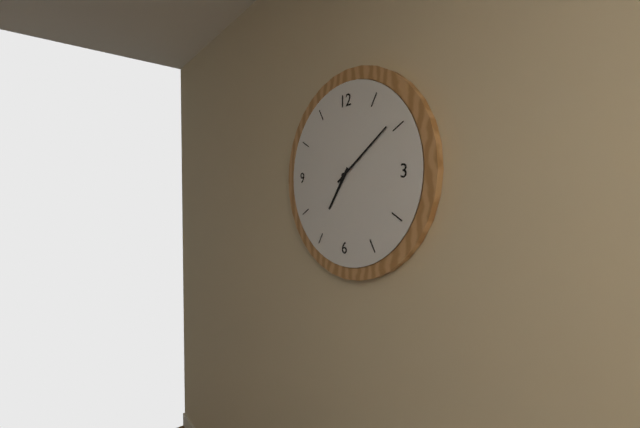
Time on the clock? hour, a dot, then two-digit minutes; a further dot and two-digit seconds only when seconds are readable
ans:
7.09
